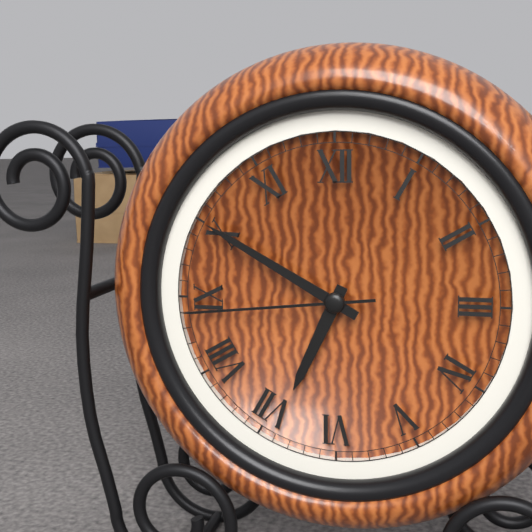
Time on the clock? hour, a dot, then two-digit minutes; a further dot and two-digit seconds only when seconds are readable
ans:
6.50.44
